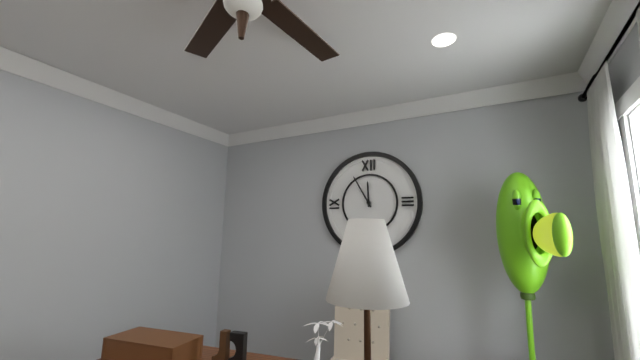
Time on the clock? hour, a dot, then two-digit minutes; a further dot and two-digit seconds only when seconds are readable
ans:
11.55
